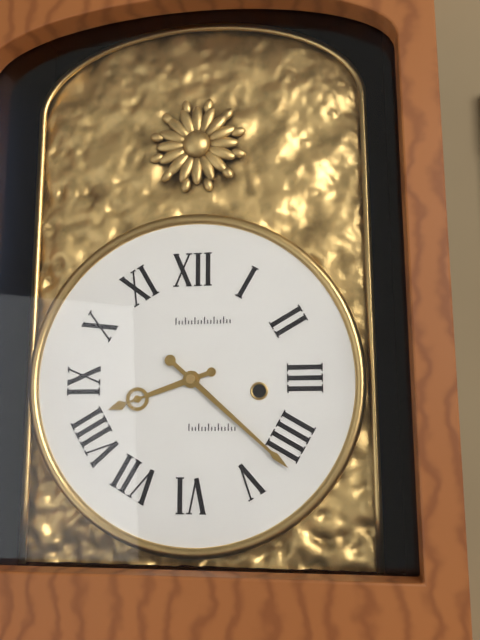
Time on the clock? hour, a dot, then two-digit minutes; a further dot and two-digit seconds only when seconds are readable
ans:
8.22
